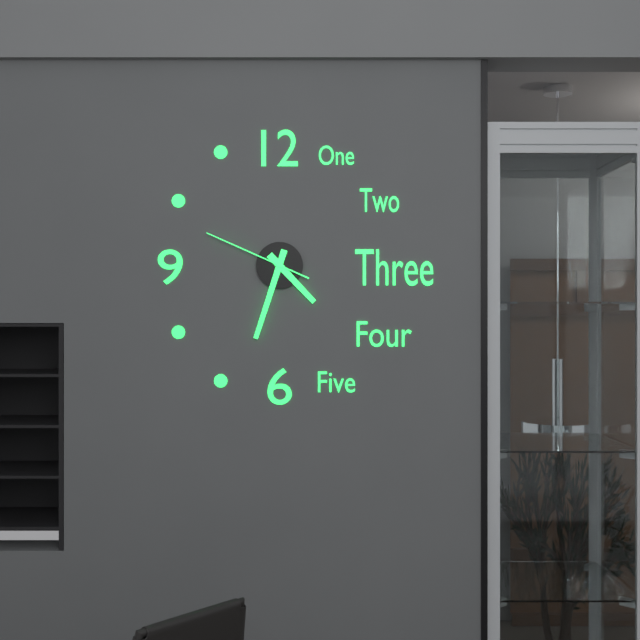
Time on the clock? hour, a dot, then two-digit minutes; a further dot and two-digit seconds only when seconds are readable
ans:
4.33.49
